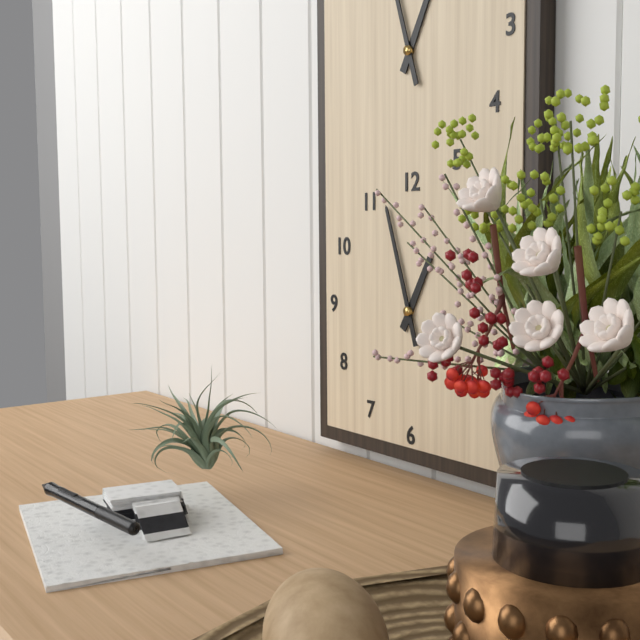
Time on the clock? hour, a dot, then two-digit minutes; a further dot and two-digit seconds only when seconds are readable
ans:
12.57
